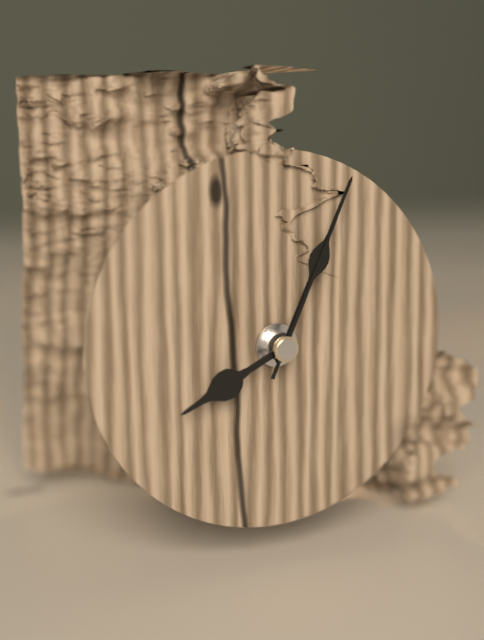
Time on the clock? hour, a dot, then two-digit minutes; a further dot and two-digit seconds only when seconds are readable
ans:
8.04.04
